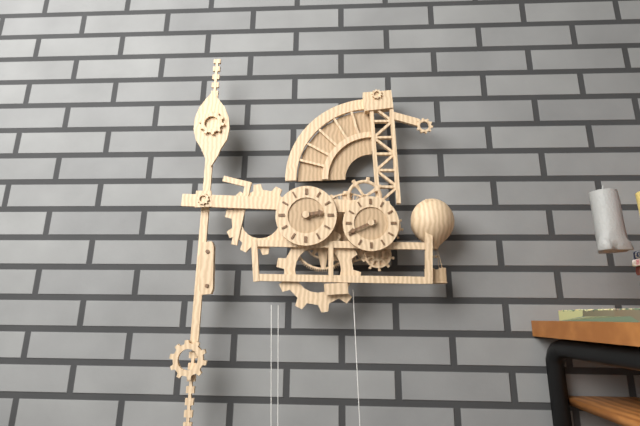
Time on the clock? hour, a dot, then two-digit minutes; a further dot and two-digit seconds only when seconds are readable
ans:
2.41
